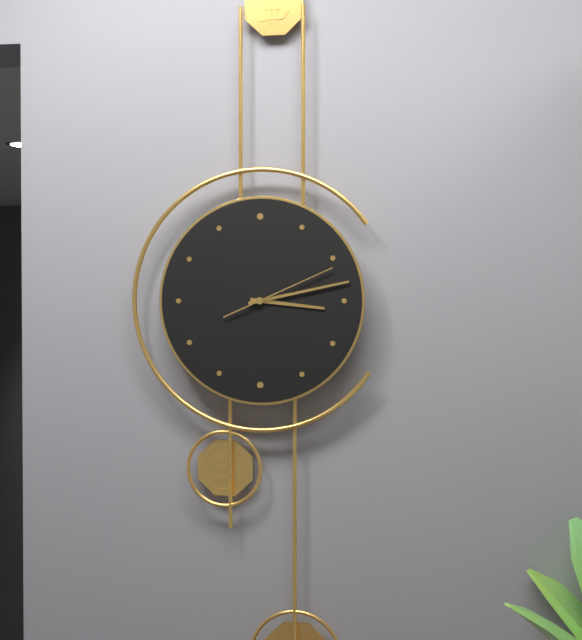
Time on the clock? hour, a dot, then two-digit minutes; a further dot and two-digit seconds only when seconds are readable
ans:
3.13.11
